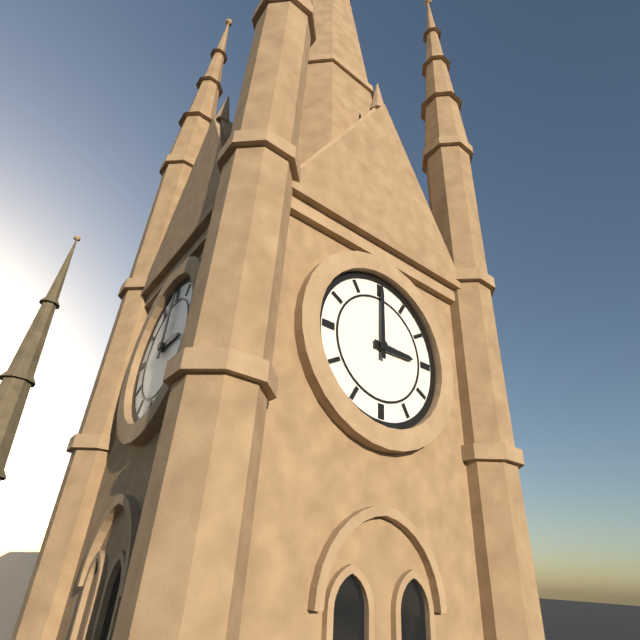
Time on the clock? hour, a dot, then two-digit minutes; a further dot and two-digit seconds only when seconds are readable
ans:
3.00
